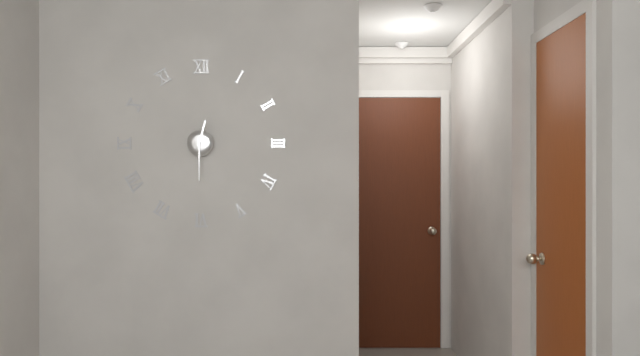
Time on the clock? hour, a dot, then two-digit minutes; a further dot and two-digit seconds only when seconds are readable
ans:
12.30
